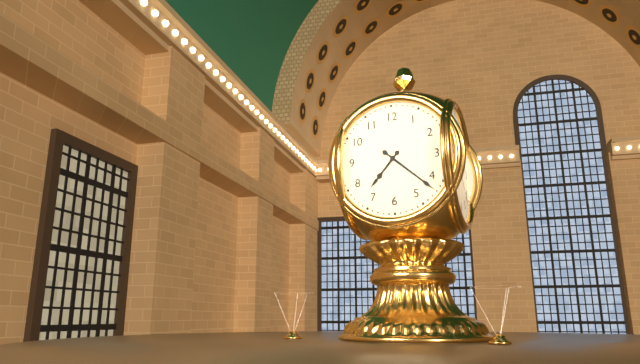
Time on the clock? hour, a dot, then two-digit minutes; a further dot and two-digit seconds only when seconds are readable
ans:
7.22
